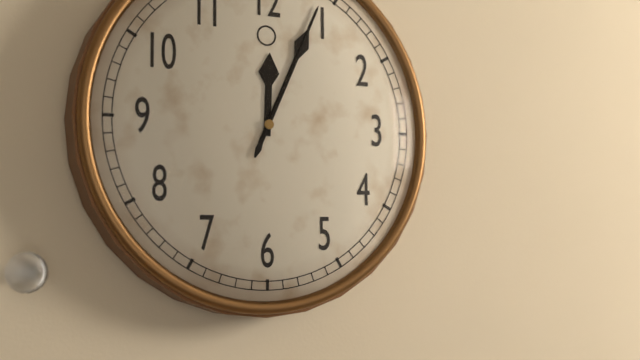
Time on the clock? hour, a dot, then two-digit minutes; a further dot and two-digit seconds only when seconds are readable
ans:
12.04.04
